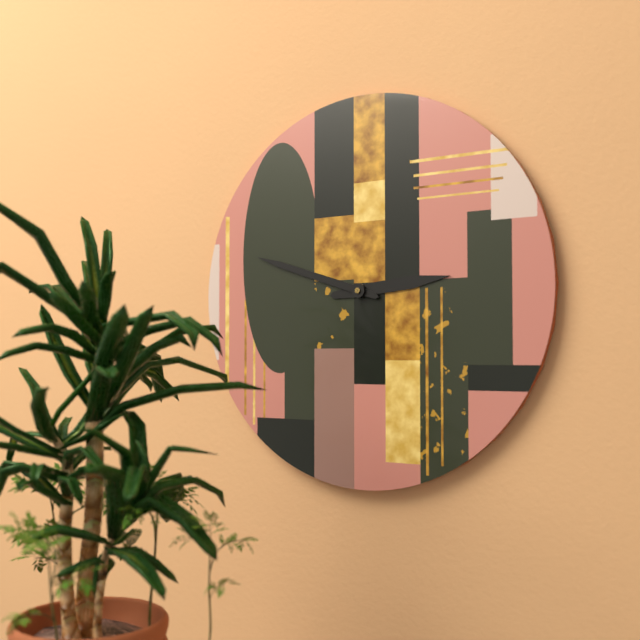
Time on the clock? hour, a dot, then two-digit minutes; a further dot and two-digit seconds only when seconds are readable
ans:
2.48
